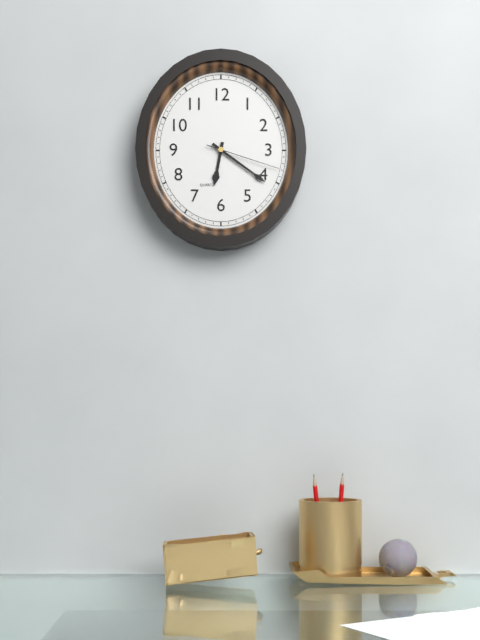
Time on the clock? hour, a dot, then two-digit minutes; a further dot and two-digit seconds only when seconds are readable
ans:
6.21.18
